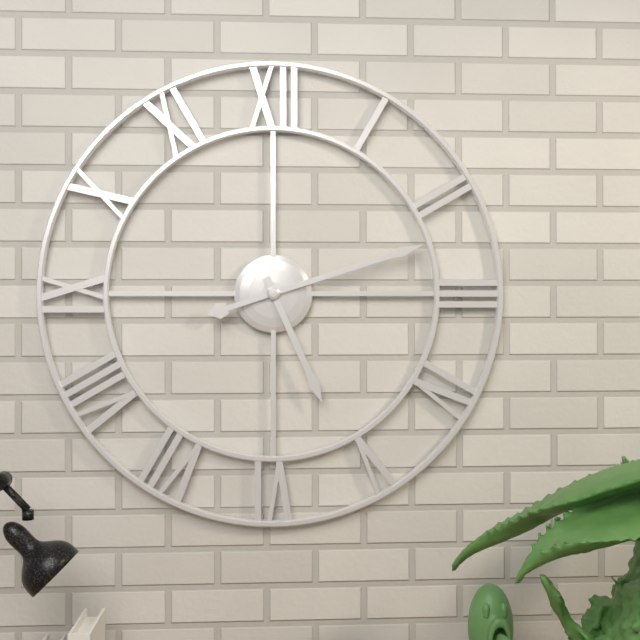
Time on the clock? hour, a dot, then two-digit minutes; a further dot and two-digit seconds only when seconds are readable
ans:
5.12
